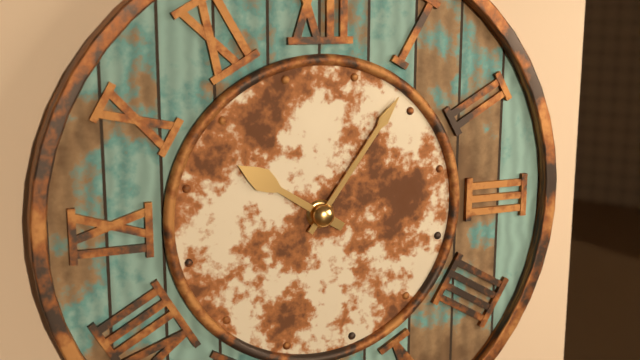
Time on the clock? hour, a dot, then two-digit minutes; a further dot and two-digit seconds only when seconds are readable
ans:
10.06
